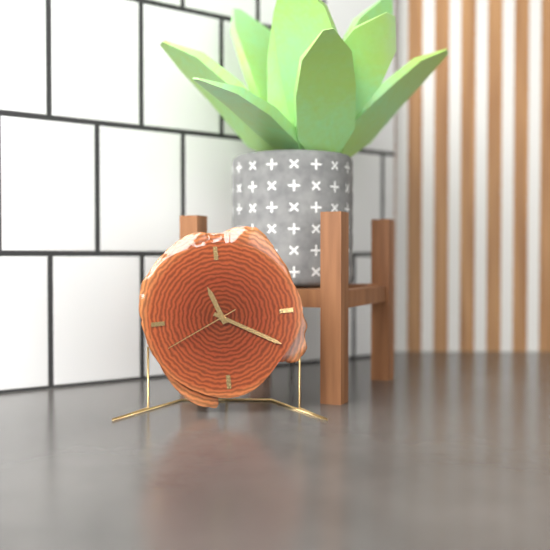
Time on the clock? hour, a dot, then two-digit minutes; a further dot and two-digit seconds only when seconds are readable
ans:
11.20.41
